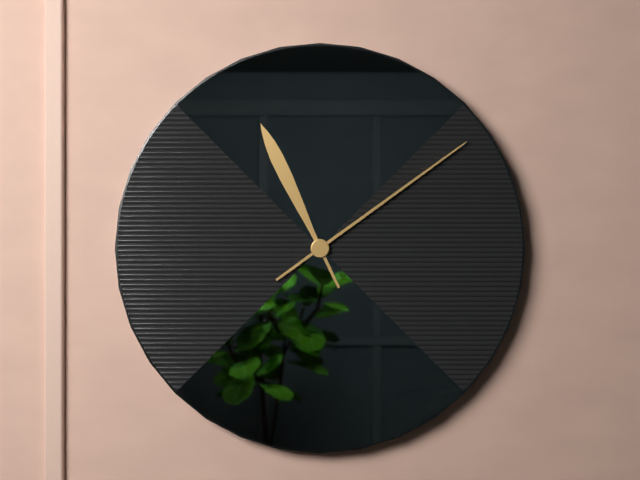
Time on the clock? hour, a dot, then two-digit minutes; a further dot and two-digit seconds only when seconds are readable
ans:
11.09
